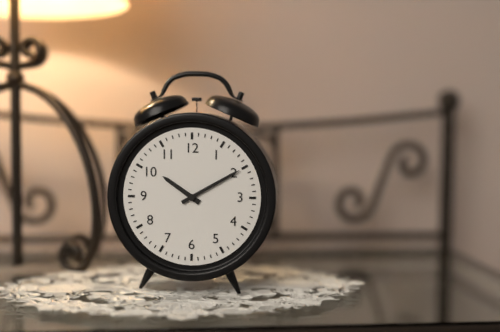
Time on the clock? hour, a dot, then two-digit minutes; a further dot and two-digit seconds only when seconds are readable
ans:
10.10
